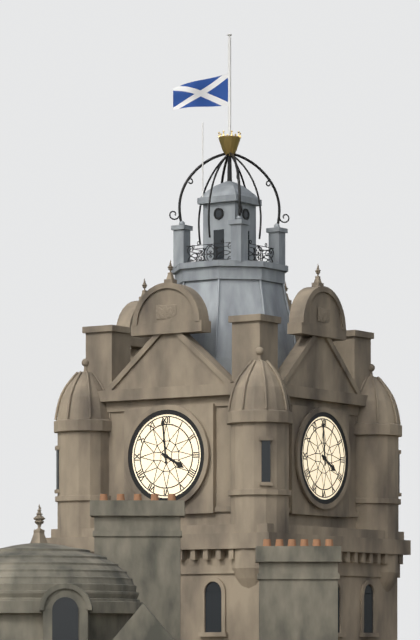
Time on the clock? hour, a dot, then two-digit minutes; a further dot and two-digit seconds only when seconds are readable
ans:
3.59
